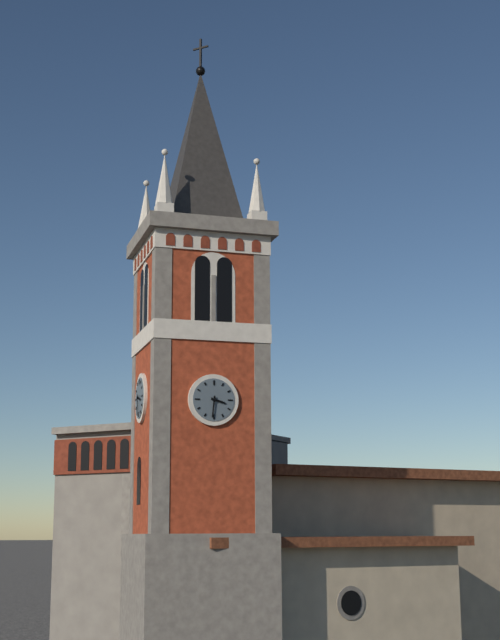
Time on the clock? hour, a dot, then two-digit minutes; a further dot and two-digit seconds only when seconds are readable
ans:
3.31
